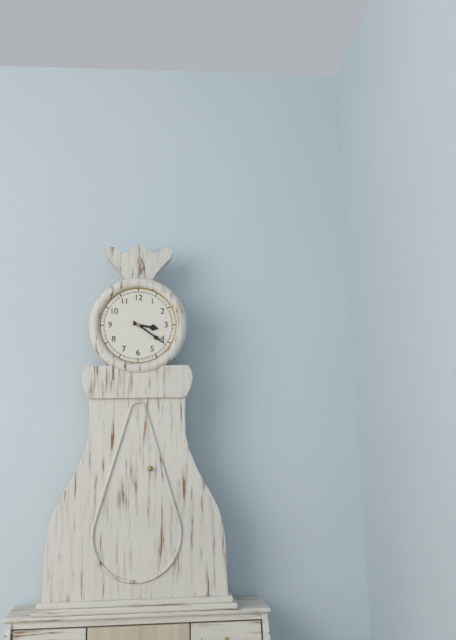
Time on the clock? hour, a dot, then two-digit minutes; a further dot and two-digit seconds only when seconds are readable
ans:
3.21
